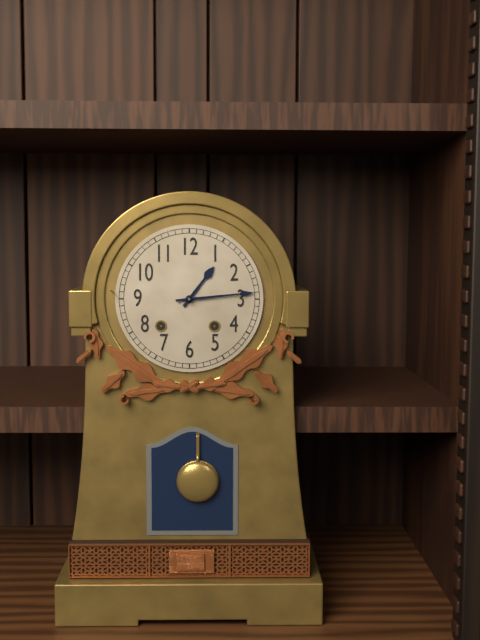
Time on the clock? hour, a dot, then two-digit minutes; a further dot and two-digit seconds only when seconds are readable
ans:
1.14
